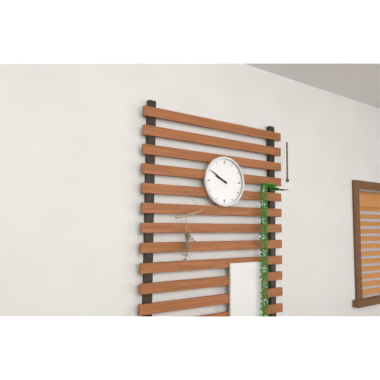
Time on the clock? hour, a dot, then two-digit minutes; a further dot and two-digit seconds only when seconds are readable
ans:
9.50
